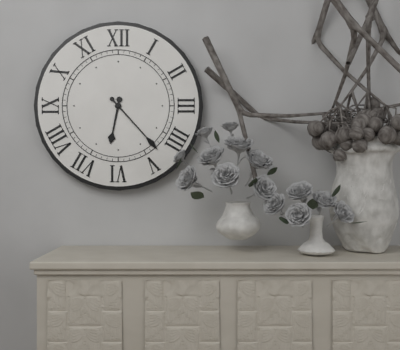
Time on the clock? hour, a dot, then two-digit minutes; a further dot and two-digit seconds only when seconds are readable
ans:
6.23
